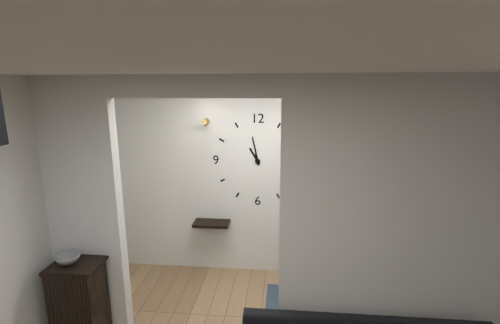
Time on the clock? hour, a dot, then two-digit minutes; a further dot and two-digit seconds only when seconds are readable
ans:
10.58
